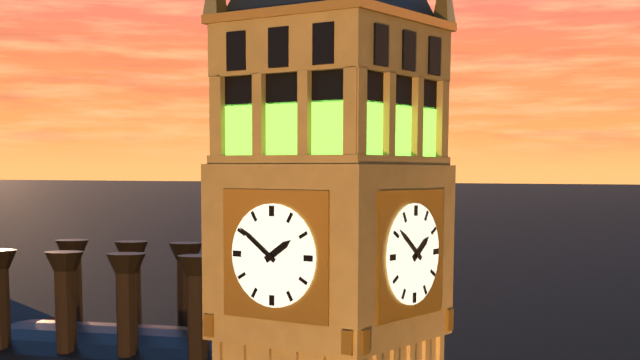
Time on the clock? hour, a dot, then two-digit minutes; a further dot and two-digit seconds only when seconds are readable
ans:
1.51
